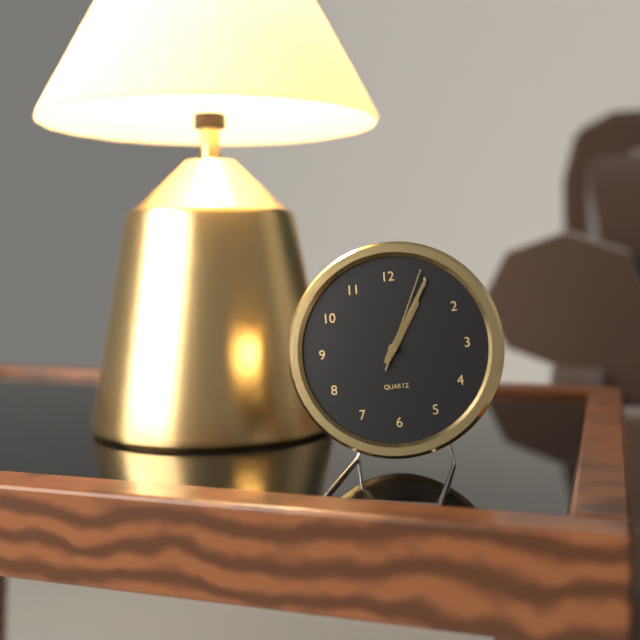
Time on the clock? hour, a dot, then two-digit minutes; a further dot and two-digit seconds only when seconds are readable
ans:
1.05.04
